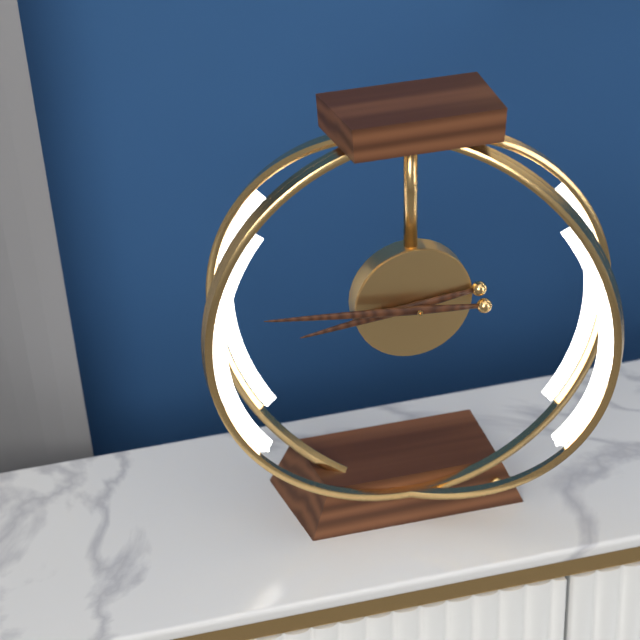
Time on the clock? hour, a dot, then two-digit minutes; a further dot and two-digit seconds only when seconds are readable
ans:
8.46
